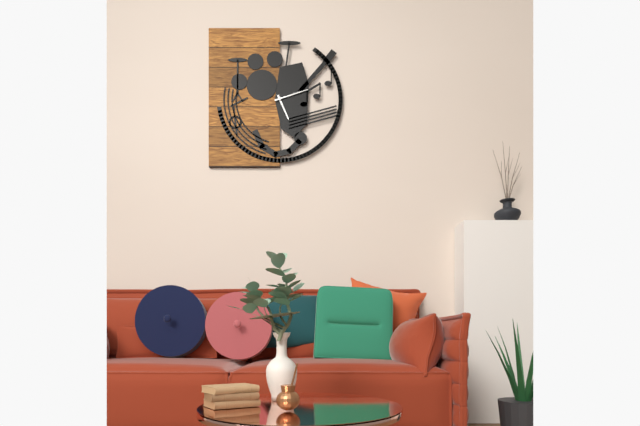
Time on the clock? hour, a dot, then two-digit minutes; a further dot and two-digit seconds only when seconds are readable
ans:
5.12
